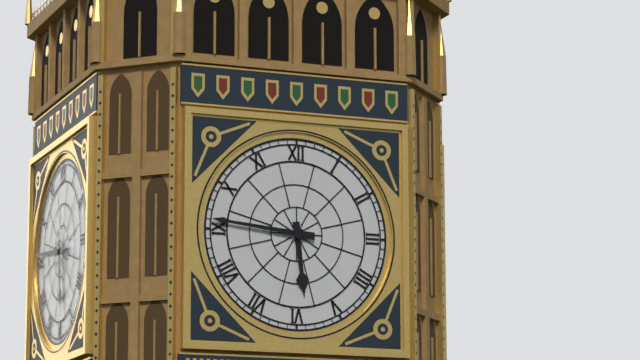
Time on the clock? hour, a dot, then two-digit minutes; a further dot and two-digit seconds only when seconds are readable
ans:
5.46
